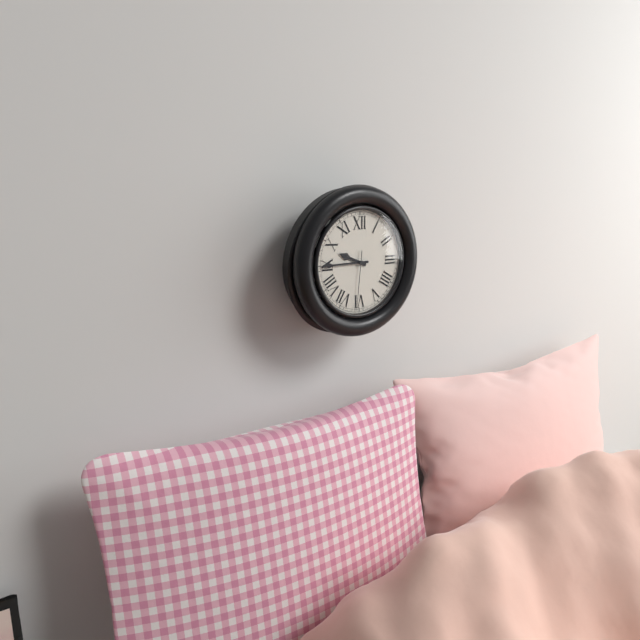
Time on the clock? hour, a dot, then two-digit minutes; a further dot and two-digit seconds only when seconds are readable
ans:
9.45.31
